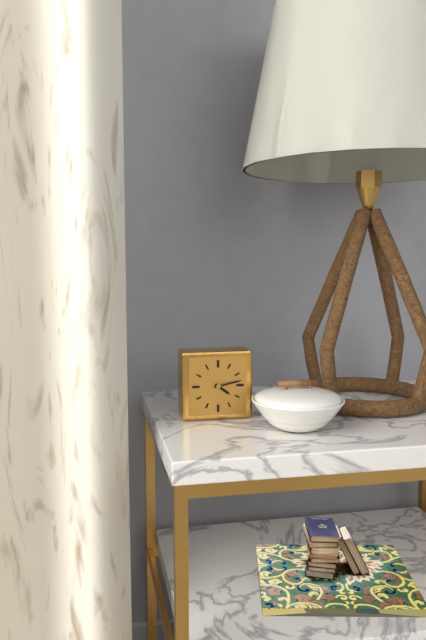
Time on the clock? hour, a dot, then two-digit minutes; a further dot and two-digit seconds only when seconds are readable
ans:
4.13
